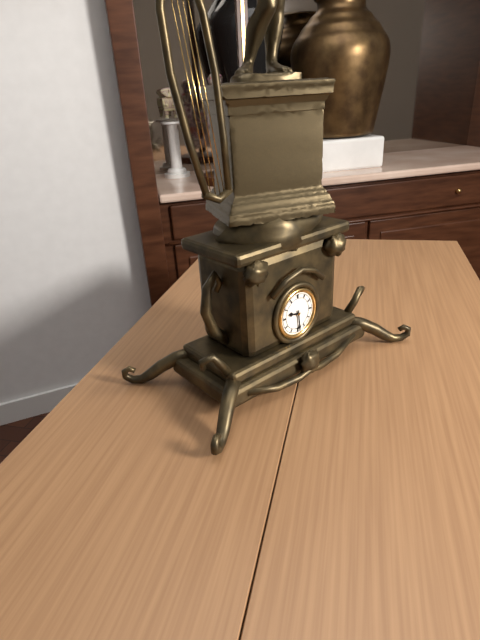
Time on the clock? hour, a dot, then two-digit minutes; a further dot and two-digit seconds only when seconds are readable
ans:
9.29
